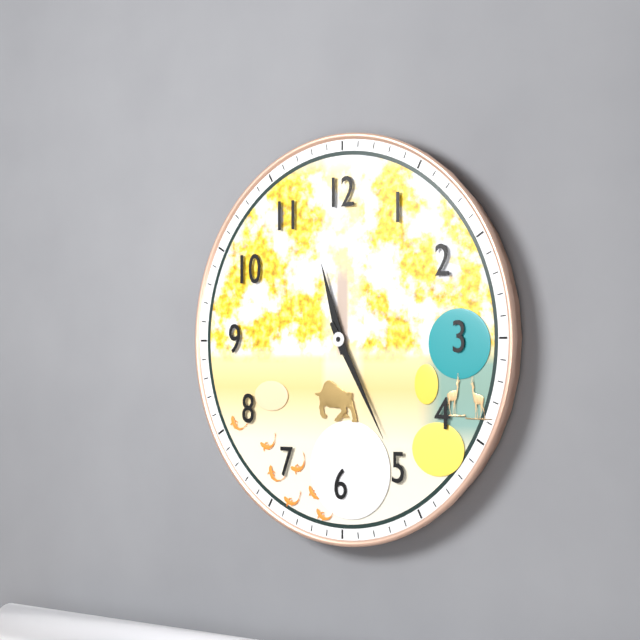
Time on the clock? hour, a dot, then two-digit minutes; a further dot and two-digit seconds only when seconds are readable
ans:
11.25
